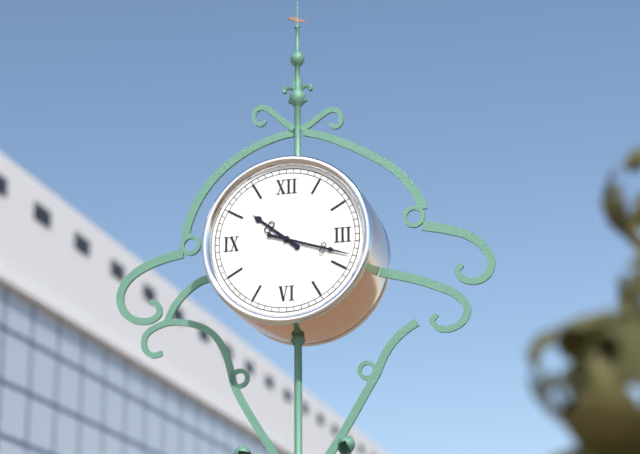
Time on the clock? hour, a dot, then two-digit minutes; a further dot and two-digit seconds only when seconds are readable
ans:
10.18
